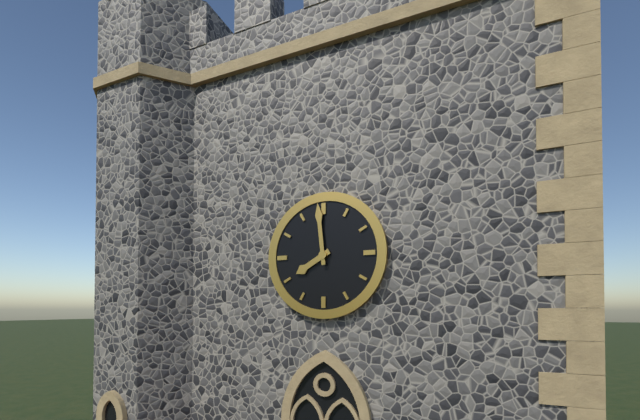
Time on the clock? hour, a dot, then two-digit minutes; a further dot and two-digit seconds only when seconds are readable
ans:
7.59
